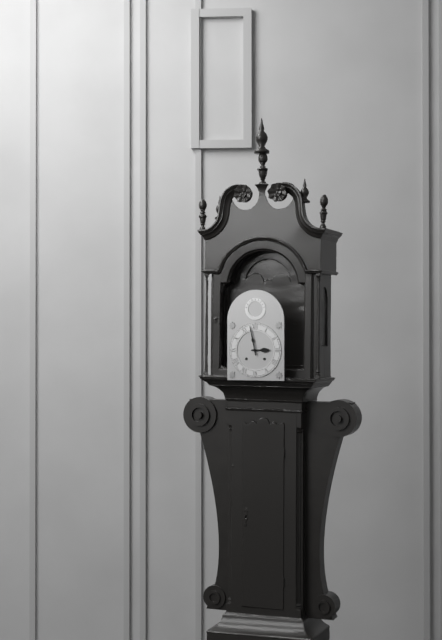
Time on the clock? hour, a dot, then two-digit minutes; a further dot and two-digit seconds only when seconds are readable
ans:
2.58
